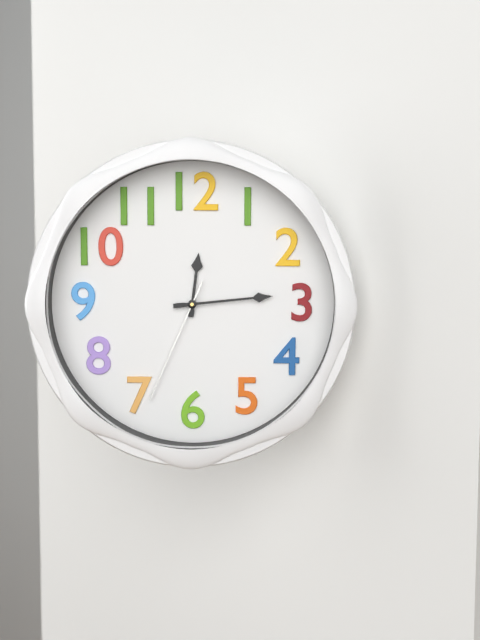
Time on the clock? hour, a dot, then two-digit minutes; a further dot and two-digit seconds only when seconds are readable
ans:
12.14.34
